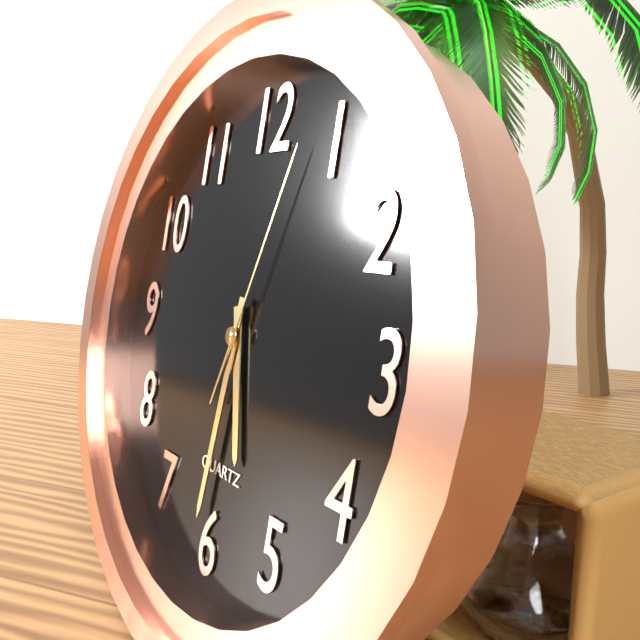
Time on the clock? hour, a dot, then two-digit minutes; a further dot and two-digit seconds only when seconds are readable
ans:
5.31.03
